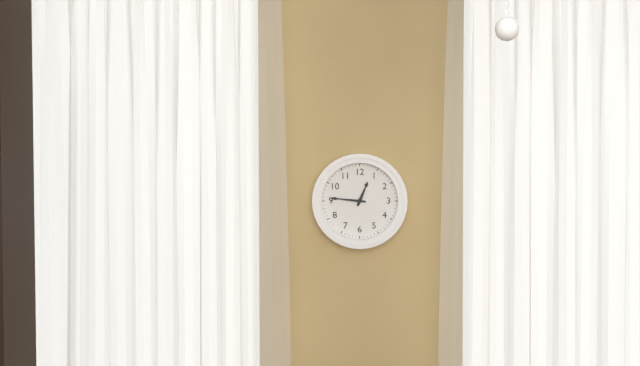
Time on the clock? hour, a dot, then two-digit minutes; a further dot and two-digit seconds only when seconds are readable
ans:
12.46
